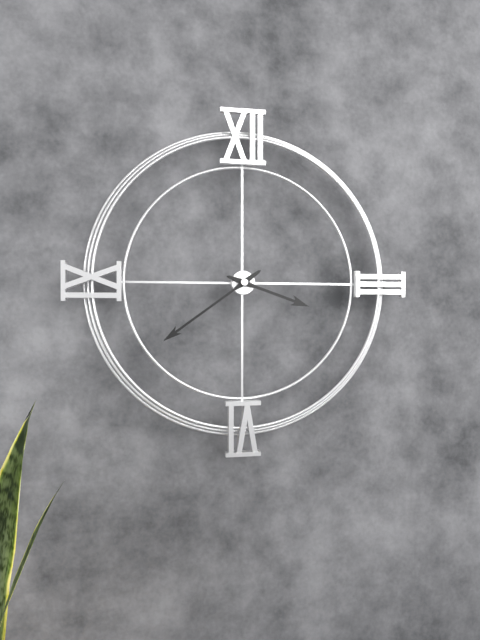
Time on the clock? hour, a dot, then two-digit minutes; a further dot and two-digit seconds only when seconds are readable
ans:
3.39
